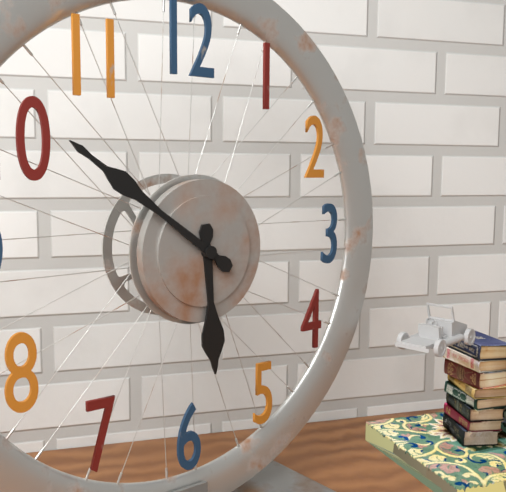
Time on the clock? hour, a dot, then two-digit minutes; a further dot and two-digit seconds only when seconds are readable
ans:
5.51
